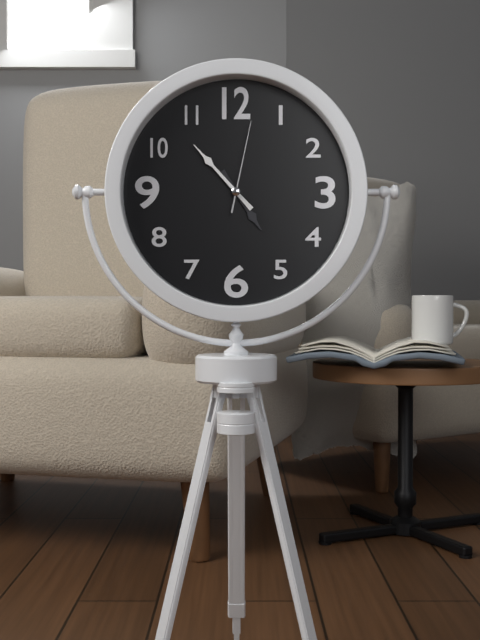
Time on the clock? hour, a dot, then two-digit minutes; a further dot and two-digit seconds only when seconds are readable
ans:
4.53.02
